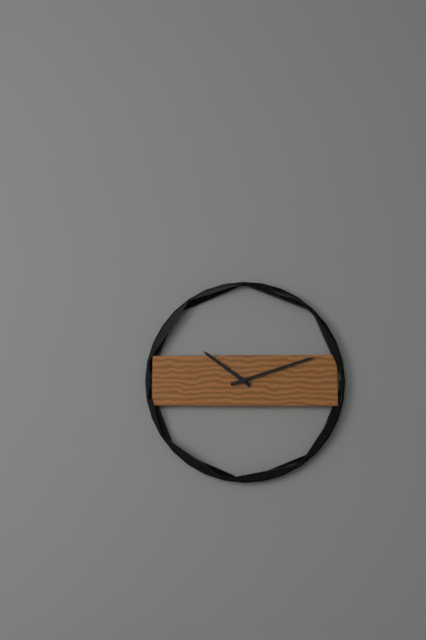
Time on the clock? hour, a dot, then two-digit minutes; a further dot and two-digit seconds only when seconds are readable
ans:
10.12
